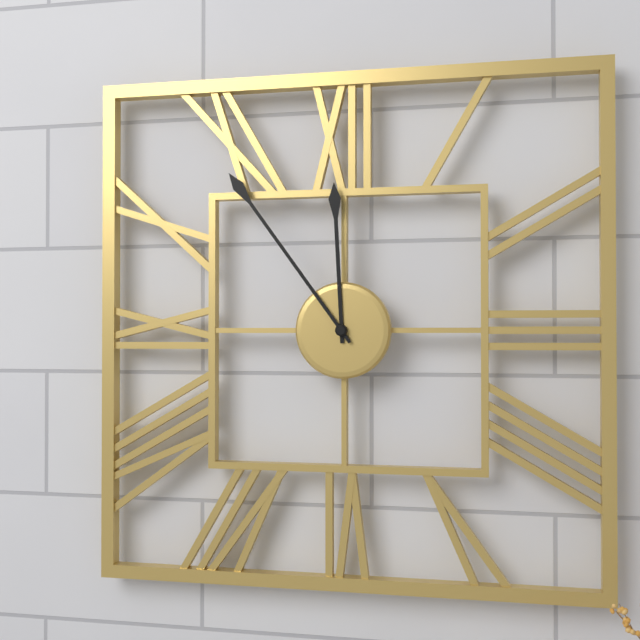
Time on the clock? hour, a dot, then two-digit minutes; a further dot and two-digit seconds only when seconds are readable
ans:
11.54
